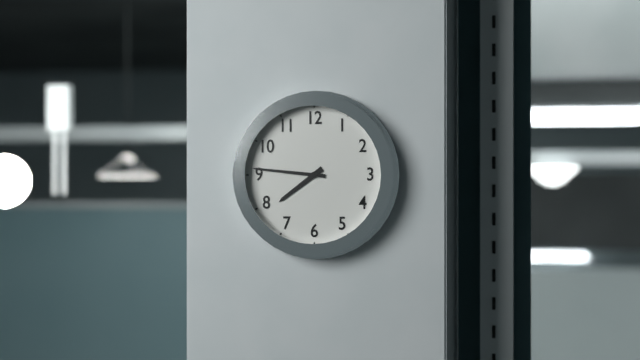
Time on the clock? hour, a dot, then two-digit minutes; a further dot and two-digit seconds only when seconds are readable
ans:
7.46
